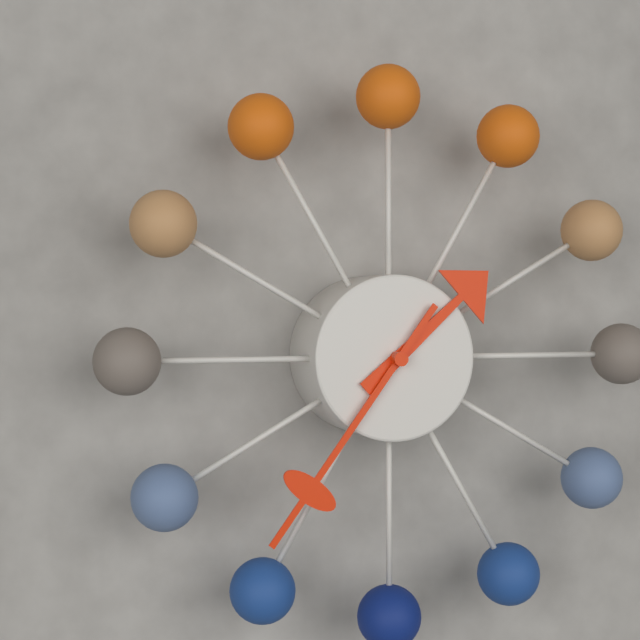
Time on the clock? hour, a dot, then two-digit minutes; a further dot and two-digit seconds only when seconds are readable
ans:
1.36
